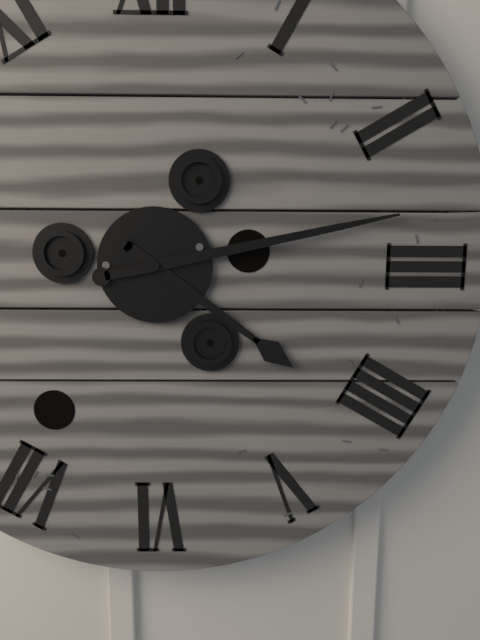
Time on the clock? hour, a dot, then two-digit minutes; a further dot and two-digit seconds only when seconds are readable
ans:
4.13
